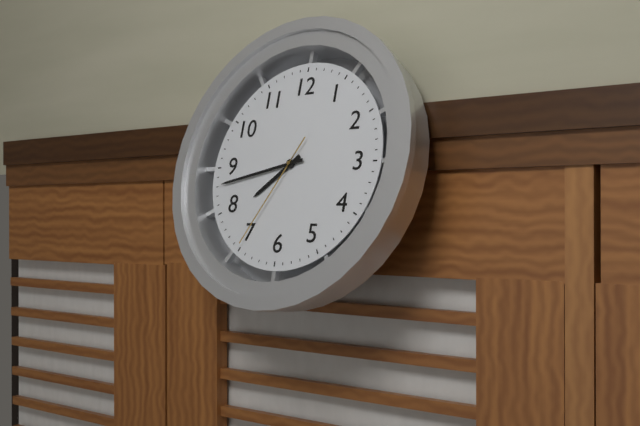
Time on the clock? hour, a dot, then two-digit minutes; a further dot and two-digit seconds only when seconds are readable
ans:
7.43.35
